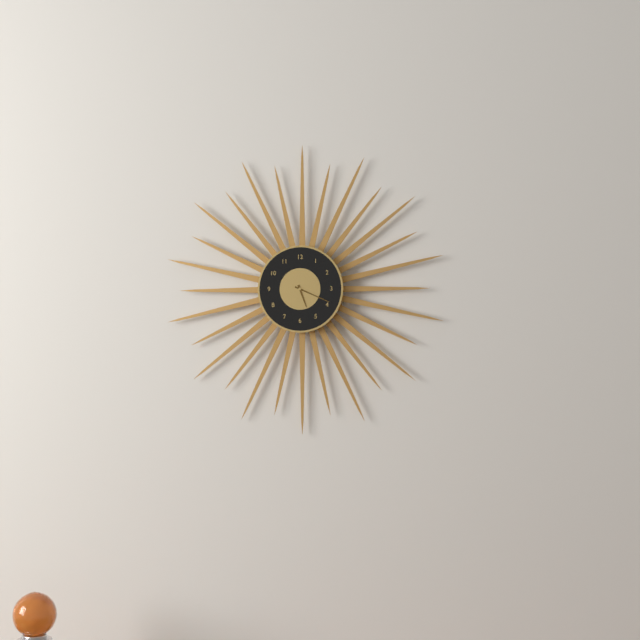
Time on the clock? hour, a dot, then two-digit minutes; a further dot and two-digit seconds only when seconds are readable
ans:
5.19
